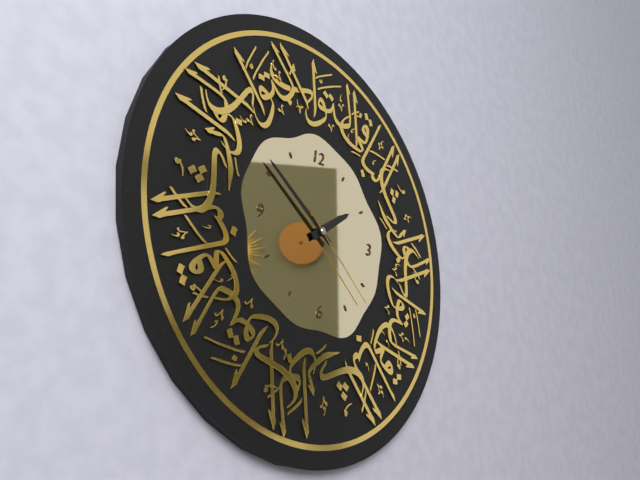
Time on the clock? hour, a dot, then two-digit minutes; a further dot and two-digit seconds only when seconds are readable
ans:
1.51.22
